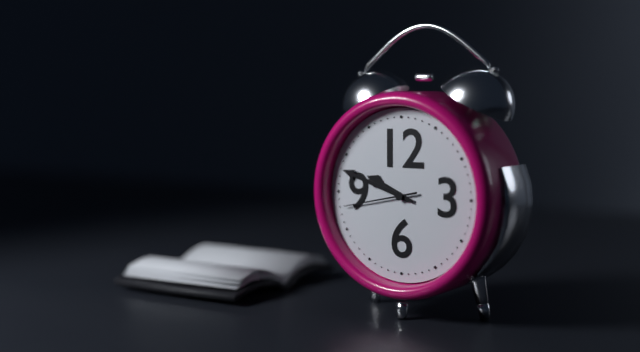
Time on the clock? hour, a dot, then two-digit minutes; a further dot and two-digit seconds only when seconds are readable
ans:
9.48.43
